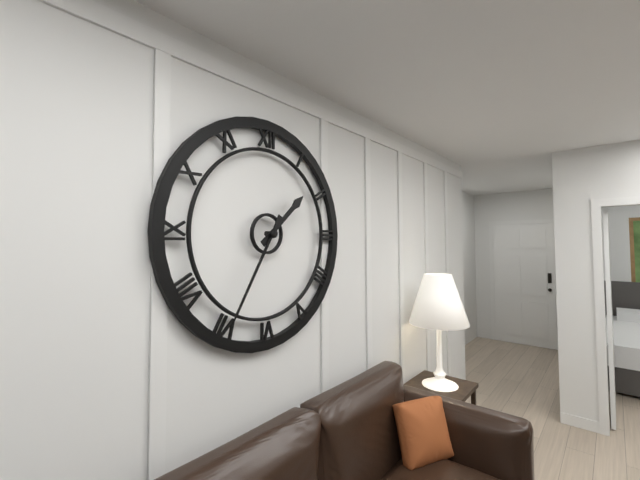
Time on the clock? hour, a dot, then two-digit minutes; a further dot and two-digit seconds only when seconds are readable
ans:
1.35
